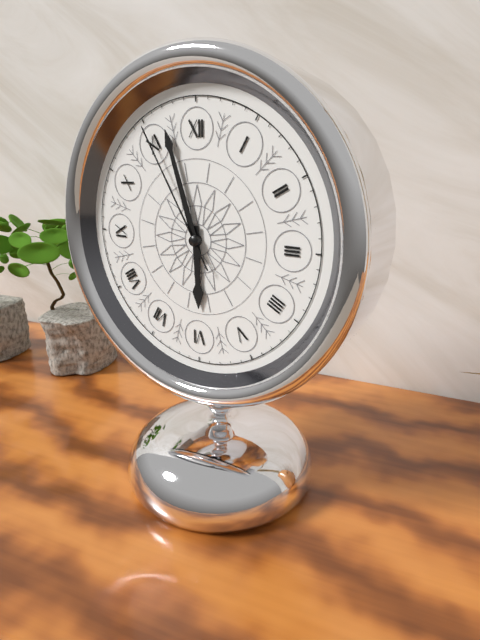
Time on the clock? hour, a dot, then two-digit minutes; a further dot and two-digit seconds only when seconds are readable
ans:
5.57.55
